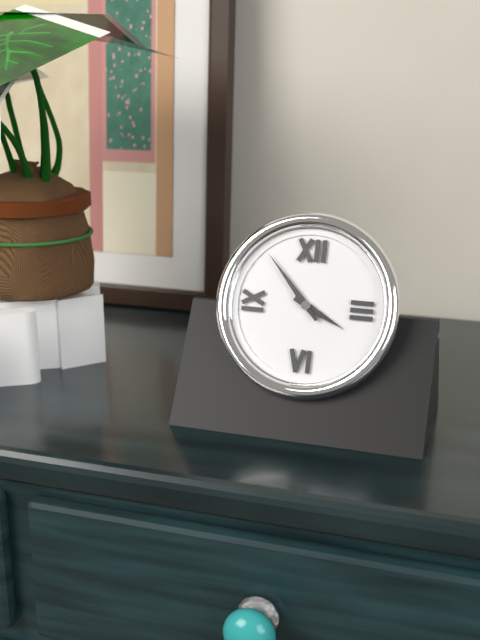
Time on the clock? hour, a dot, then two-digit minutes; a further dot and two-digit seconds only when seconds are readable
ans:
3.53
